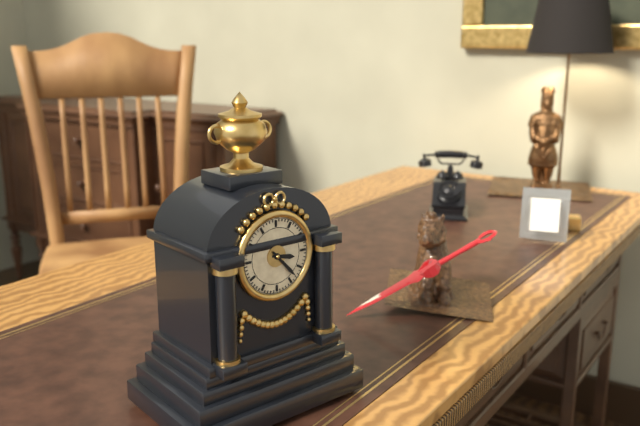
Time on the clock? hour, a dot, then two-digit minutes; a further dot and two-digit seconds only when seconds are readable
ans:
3.23
